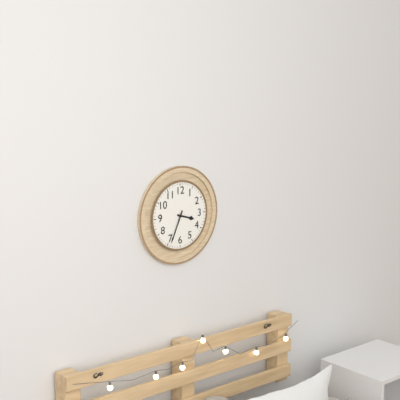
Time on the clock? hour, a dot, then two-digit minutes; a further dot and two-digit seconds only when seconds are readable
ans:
3.34
